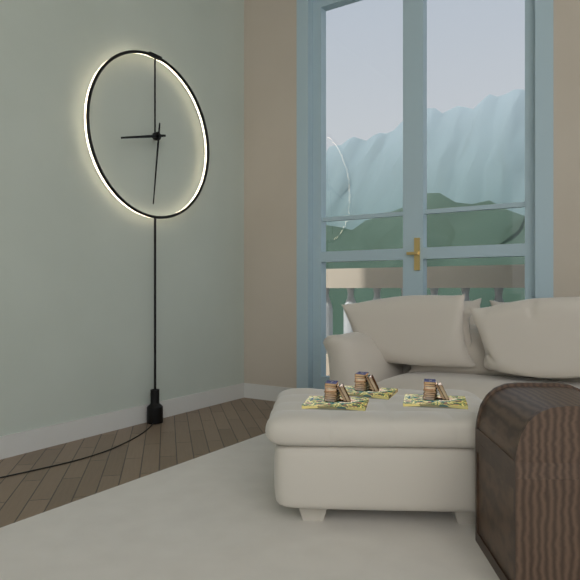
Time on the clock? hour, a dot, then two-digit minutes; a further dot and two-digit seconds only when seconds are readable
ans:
8.31
